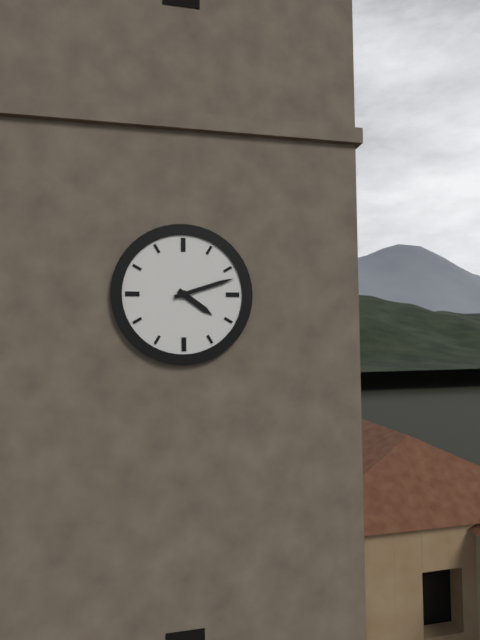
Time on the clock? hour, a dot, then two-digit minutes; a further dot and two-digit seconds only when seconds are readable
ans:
4.12
